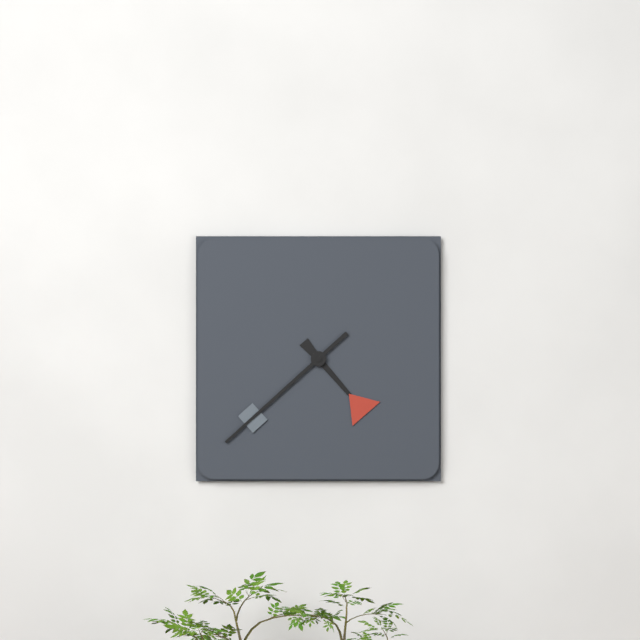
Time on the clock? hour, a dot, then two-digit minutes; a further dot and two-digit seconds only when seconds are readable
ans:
4.38
